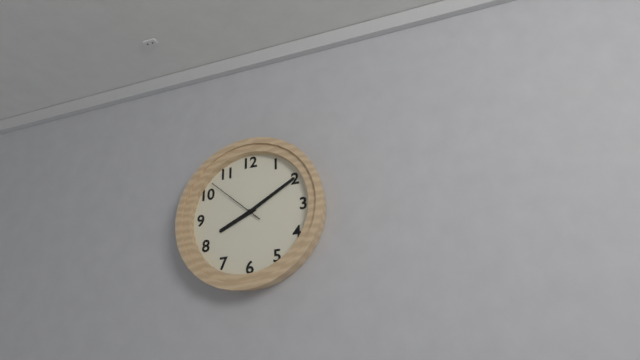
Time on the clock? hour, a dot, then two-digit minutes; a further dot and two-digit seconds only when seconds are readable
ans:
8.10.52
